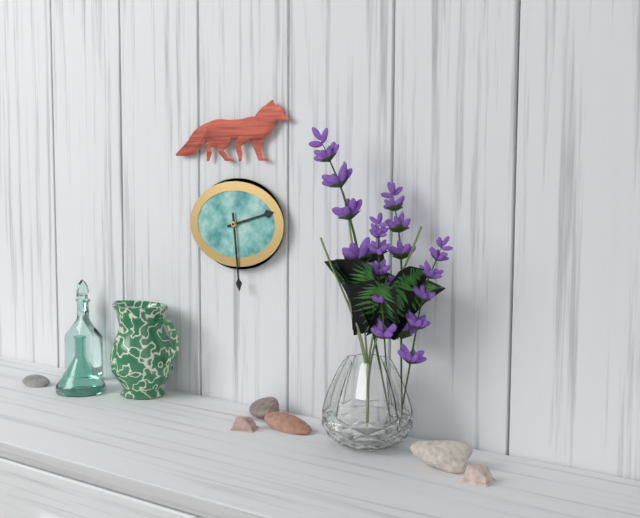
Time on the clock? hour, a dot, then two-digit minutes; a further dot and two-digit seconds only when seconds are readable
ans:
2.29
